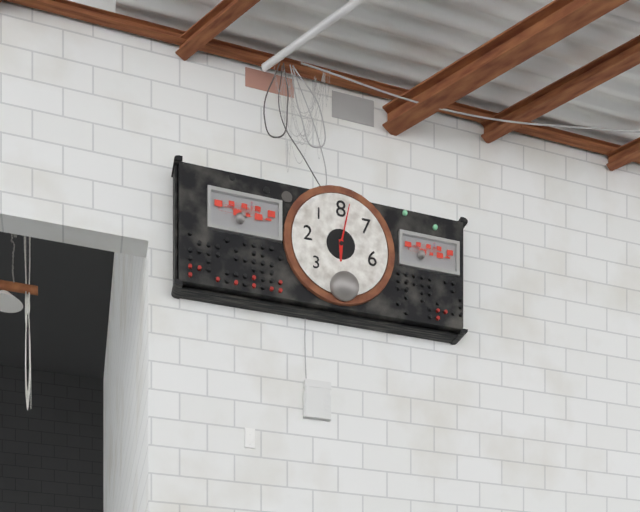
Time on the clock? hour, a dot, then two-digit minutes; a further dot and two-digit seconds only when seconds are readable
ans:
6.02
